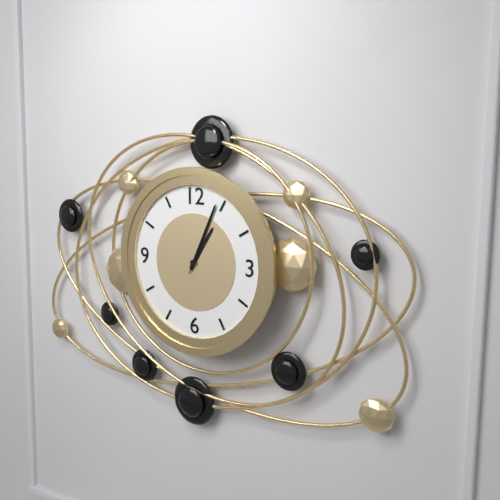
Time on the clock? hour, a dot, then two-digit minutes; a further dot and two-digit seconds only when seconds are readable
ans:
1.04.04
